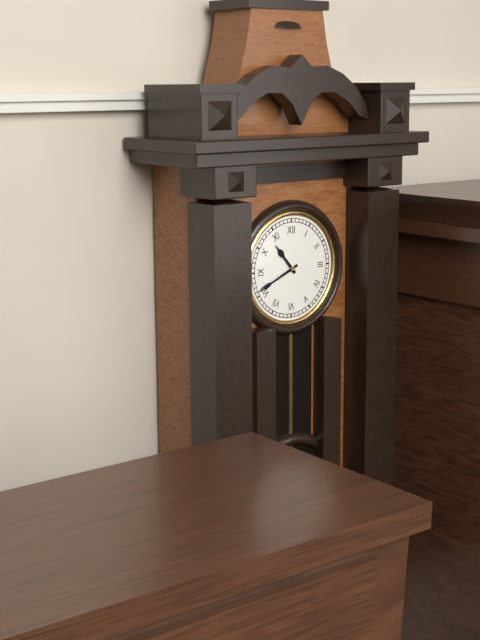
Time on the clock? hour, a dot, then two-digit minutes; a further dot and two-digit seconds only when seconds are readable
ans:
10.41
